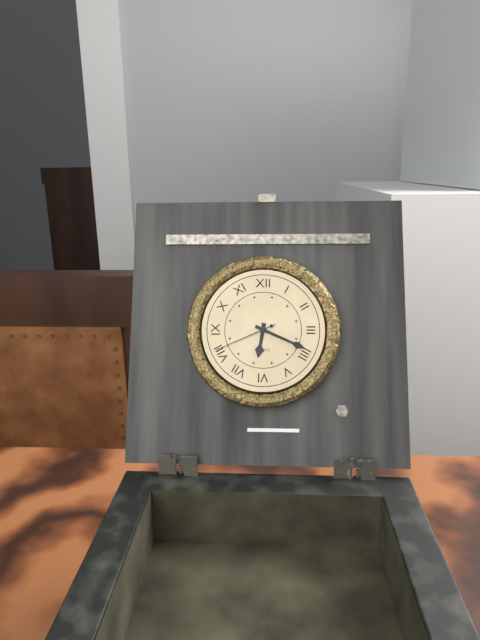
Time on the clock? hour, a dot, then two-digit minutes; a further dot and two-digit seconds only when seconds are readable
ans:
6.19.41
